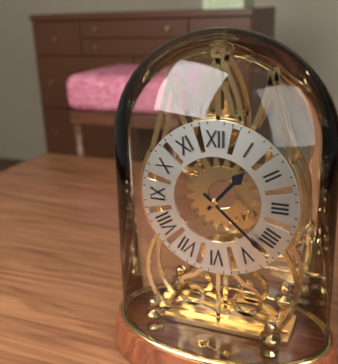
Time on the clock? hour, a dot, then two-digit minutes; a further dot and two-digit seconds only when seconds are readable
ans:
1.22
